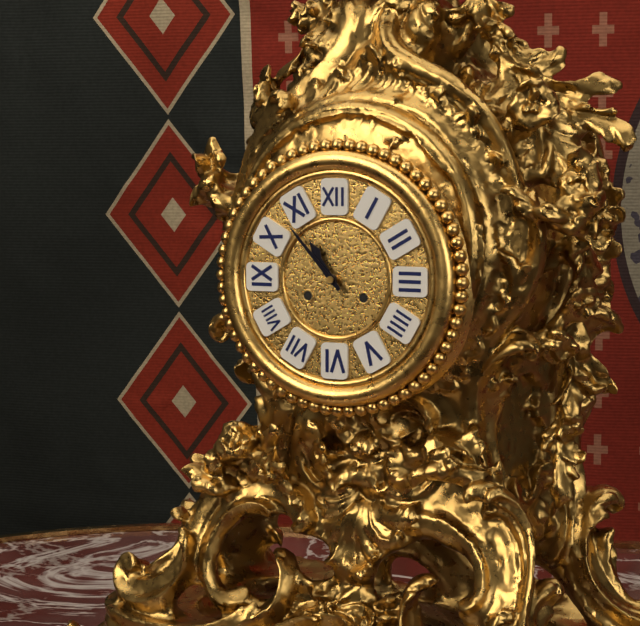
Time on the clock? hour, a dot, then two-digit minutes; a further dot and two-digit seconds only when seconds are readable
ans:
10.53
